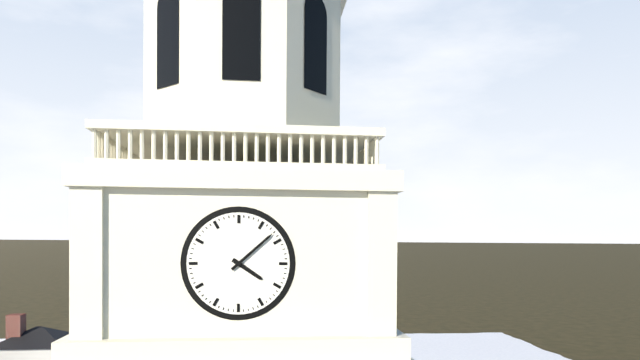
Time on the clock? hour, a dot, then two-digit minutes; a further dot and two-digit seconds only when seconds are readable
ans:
4.08
